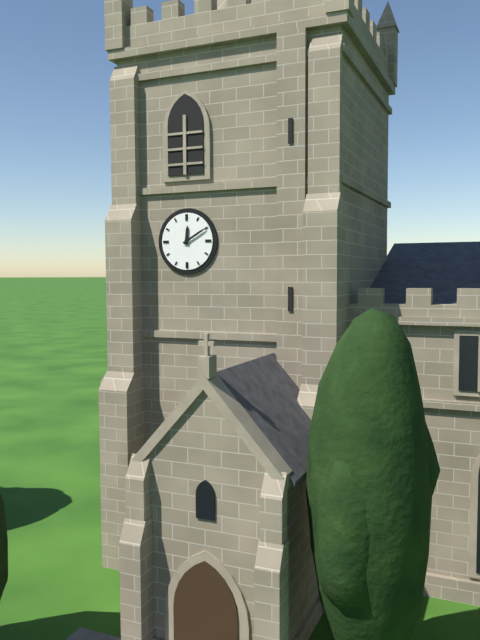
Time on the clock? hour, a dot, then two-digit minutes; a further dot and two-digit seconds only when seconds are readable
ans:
12.10
